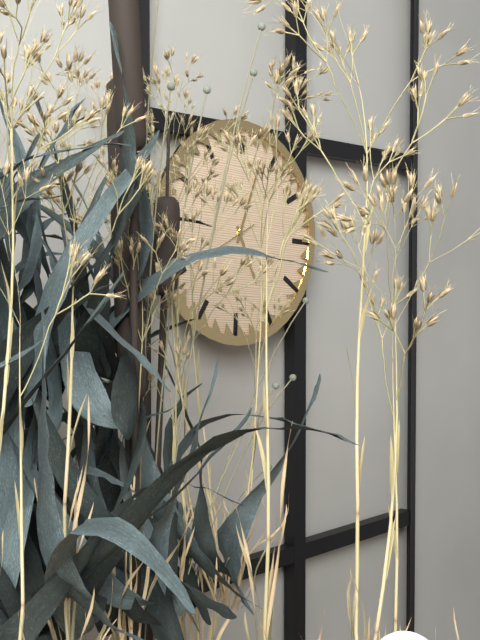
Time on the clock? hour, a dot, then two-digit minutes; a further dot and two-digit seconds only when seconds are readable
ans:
5.03.40
